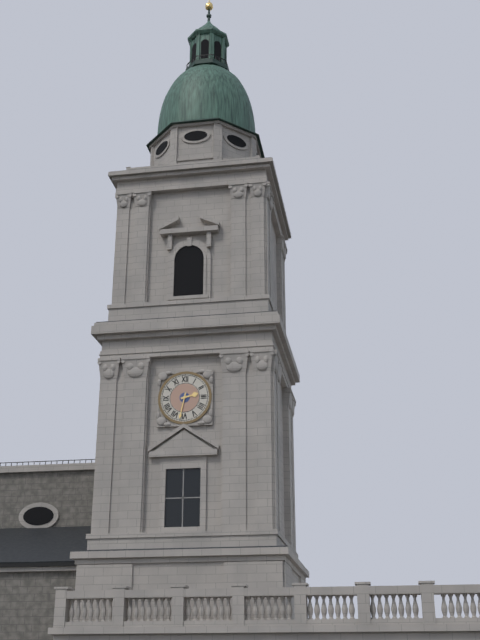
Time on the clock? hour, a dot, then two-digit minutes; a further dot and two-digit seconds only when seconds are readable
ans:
2.32
